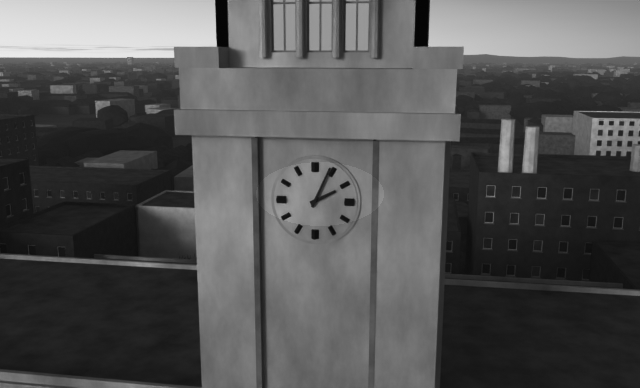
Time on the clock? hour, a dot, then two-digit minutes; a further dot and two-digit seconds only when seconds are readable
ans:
2.04
